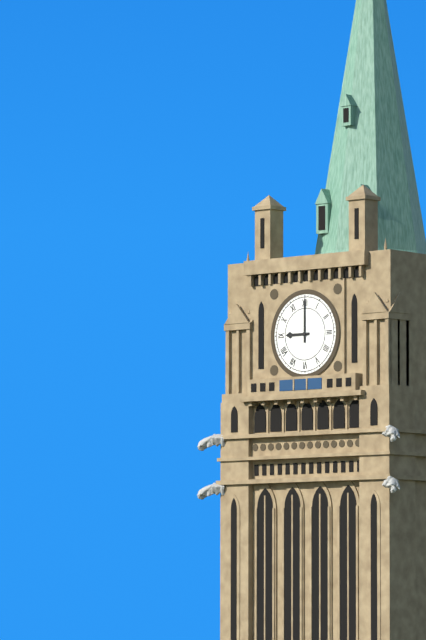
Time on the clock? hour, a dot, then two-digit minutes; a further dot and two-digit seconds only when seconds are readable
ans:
9.00
